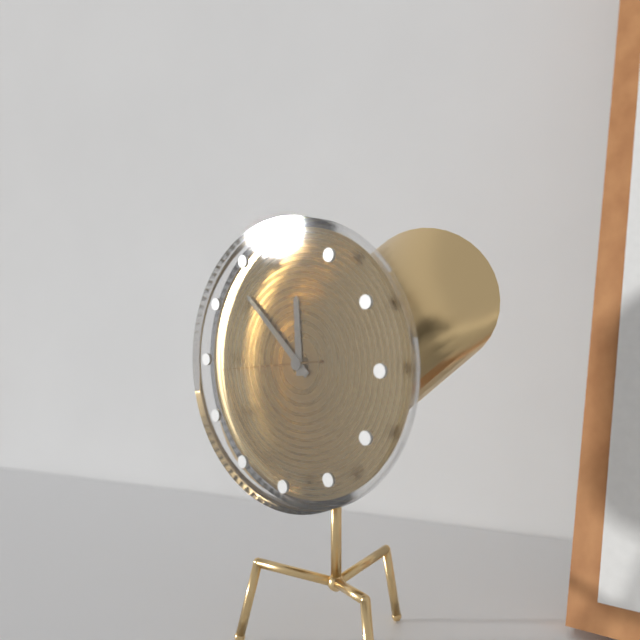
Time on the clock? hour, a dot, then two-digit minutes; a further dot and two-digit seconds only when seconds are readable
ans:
11.52.44
